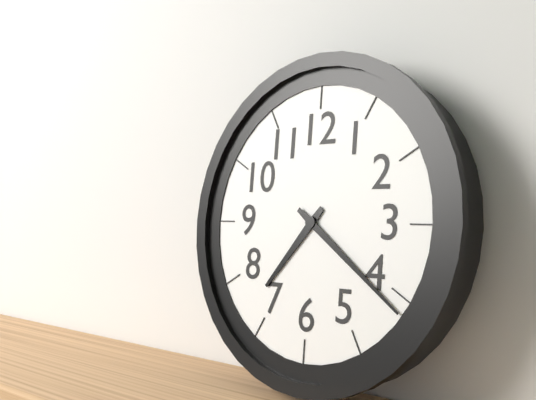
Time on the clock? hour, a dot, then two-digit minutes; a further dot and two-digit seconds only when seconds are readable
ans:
7.21
